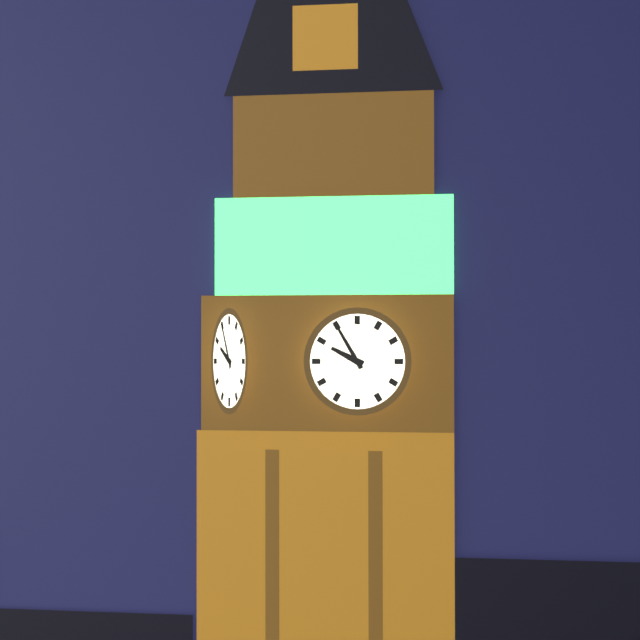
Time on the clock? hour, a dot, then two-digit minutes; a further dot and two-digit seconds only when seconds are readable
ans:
9.55
